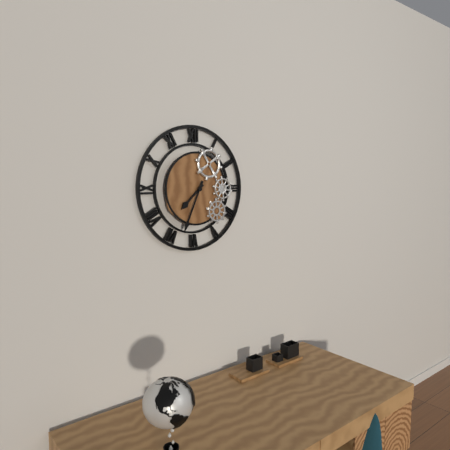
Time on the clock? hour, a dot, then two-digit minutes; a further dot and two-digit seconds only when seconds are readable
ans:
7.34
